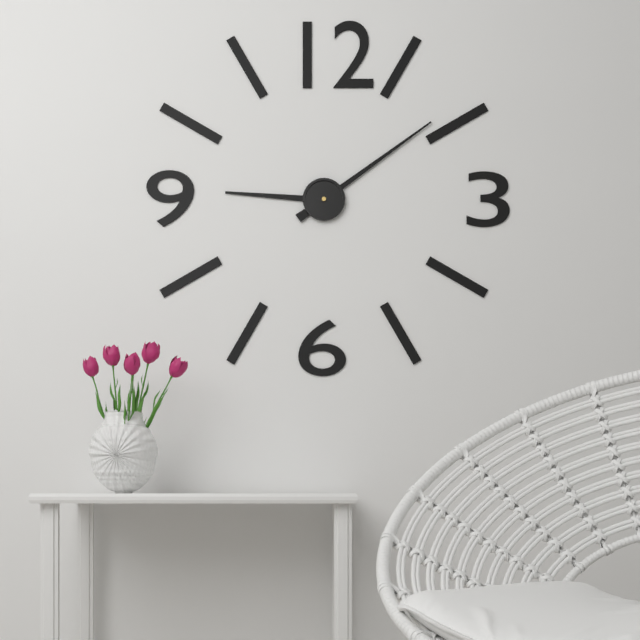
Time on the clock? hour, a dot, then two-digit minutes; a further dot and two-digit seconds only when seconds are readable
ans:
9.09
